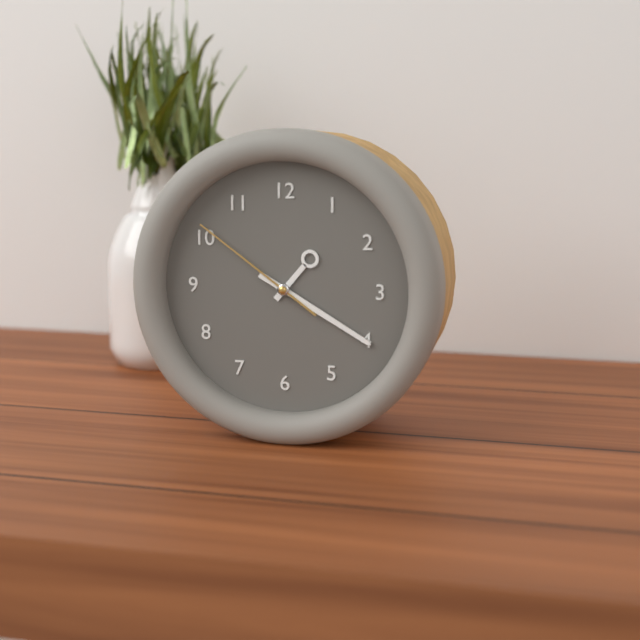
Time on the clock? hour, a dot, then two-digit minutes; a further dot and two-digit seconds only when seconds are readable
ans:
1.20.51
